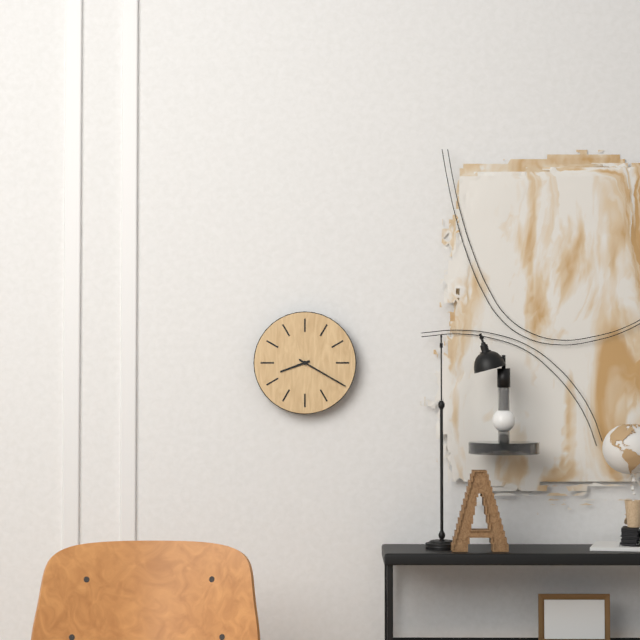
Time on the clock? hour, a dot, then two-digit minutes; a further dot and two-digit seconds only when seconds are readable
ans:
8.20
